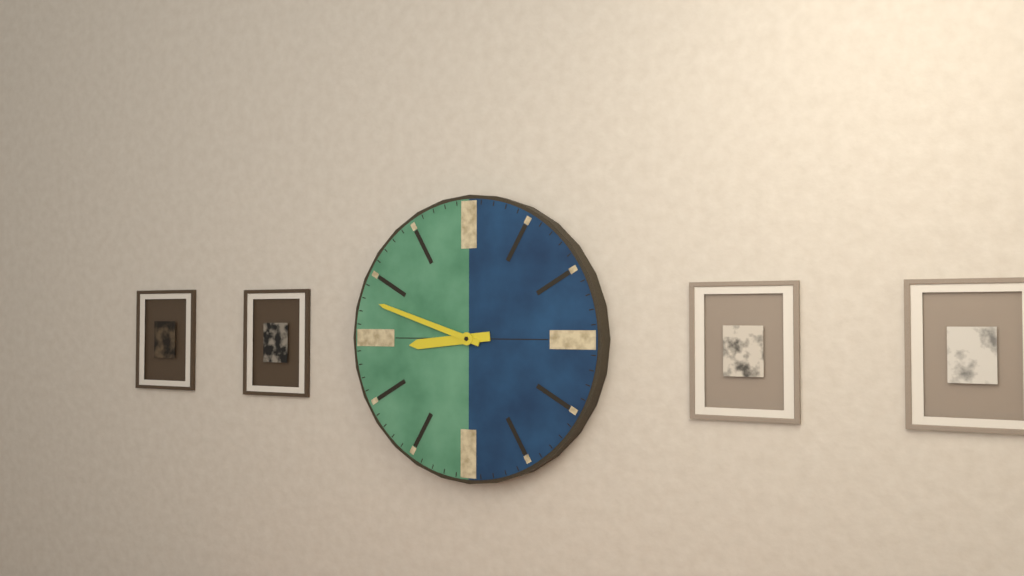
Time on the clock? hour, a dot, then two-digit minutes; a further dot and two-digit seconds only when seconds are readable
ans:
8.48
